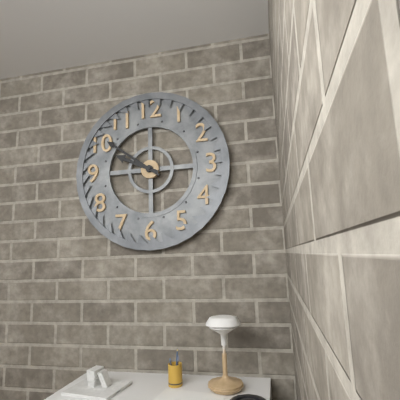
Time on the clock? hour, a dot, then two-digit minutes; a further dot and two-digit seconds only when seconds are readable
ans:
9.51
